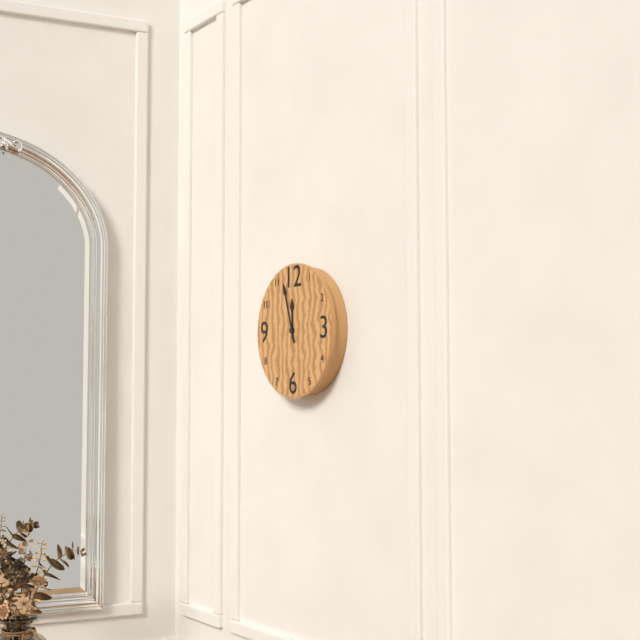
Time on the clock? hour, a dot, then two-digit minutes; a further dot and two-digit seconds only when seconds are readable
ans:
11.57
